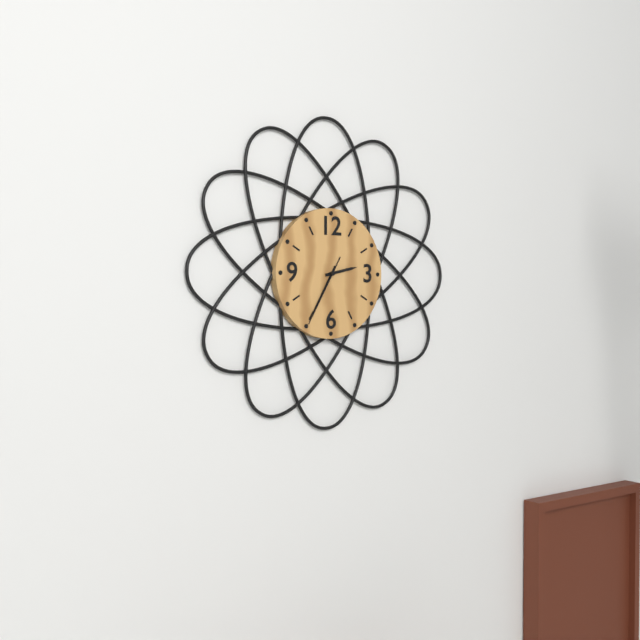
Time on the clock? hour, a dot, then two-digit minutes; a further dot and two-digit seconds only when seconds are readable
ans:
2.35.35
